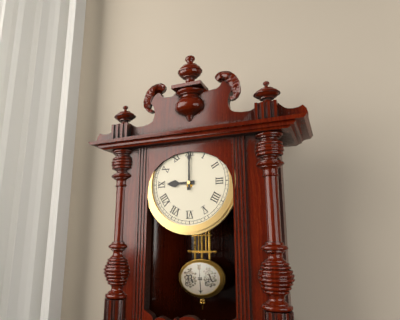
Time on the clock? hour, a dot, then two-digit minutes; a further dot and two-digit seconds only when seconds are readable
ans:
9.00
